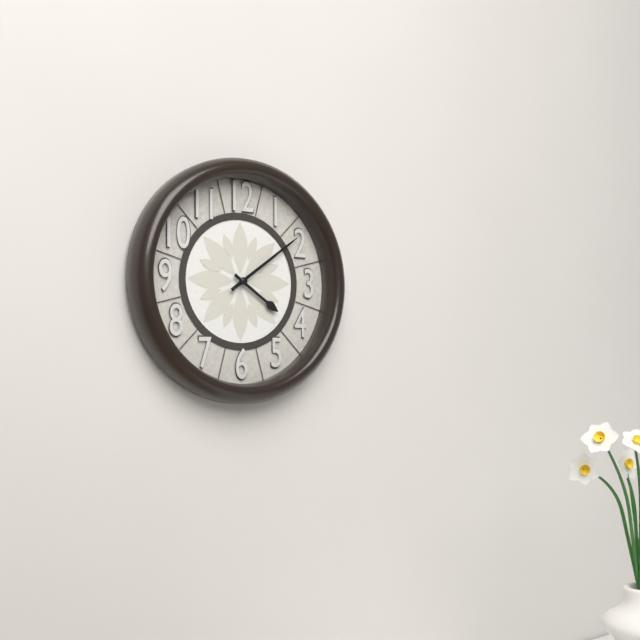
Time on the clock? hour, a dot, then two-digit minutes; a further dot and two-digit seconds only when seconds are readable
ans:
4.09
